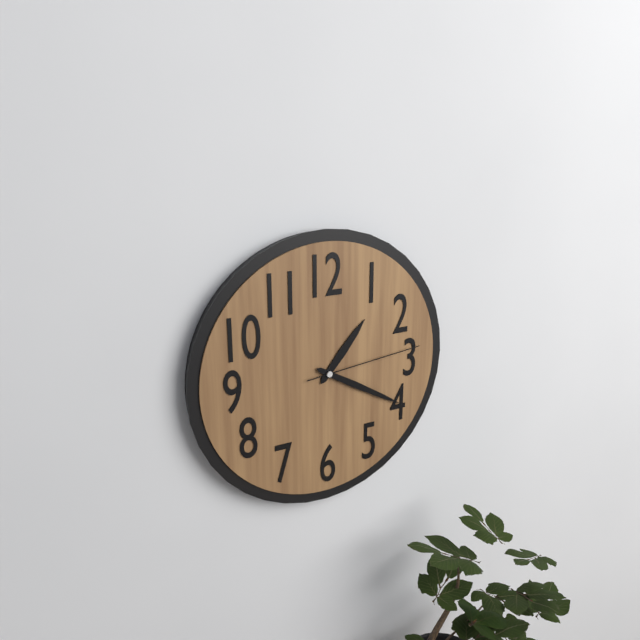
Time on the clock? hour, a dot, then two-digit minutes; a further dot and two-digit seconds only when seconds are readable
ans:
1.20.14
